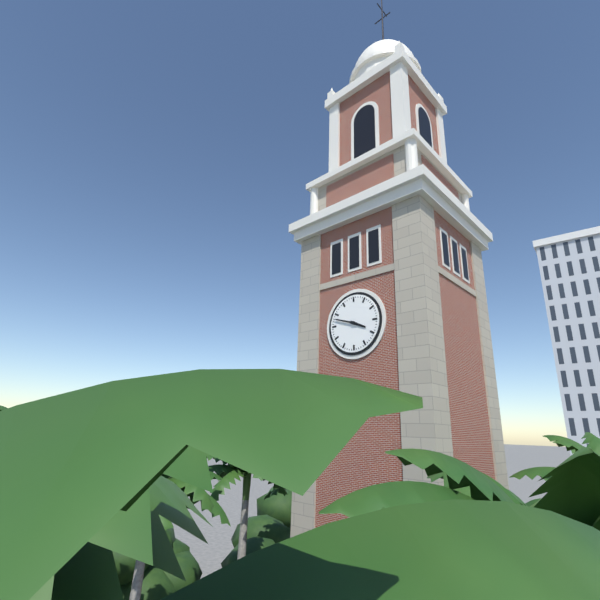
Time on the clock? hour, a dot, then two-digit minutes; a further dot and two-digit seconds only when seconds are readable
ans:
3.48
